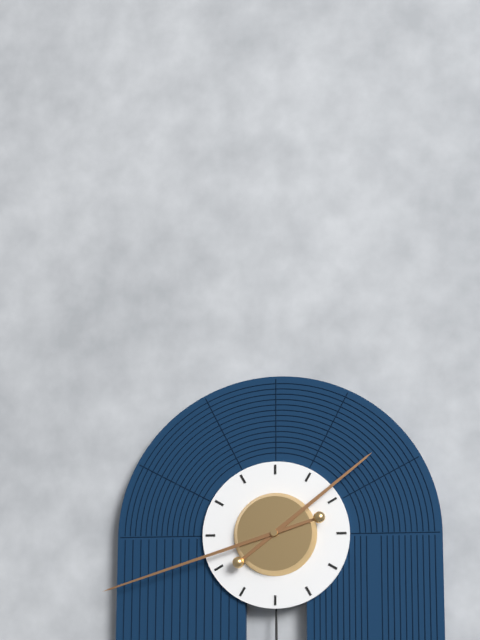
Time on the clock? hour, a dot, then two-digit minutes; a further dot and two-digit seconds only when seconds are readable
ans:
1.42
